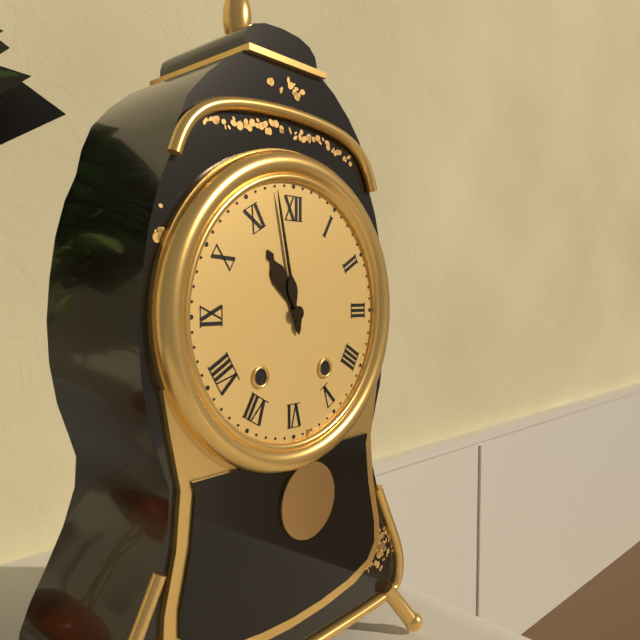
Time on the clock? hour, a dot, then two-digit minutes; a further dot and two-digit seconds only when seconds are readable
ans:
10.58
